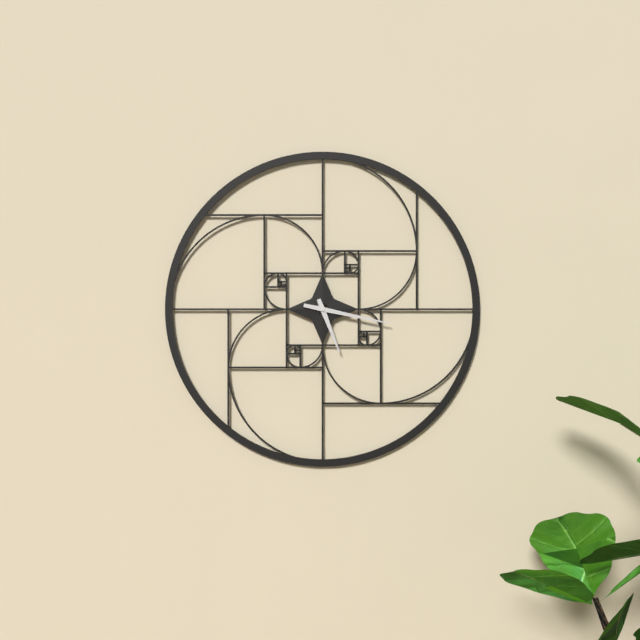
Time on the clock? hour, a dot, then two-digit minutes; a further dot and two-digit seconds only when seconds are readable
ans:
5.17
